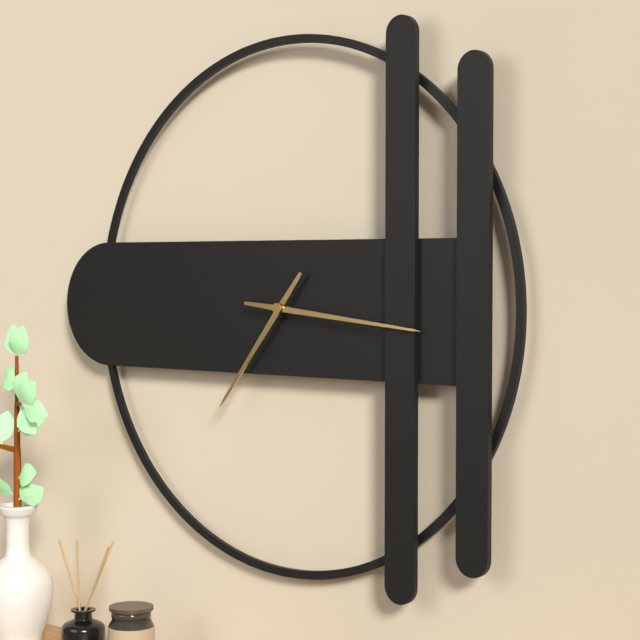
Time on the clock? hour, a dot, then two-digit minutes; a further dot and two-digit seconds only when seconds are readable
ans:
7.16
